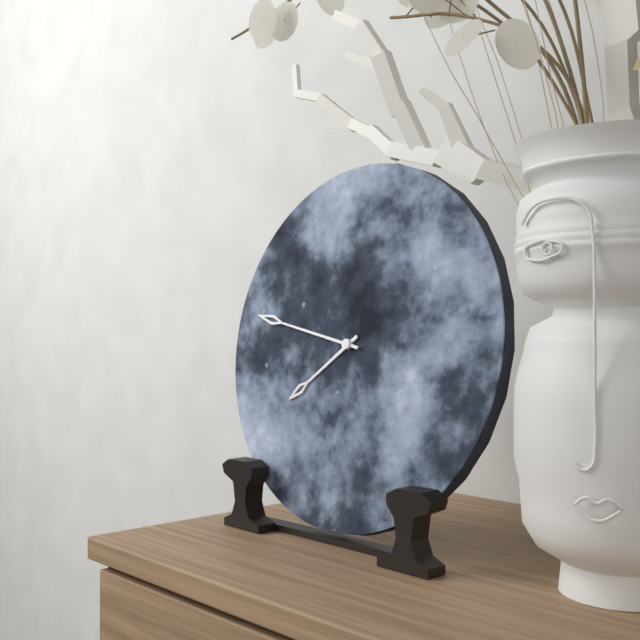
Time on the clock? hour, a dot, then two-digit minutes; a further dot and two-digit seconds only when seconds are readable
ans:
7.47
